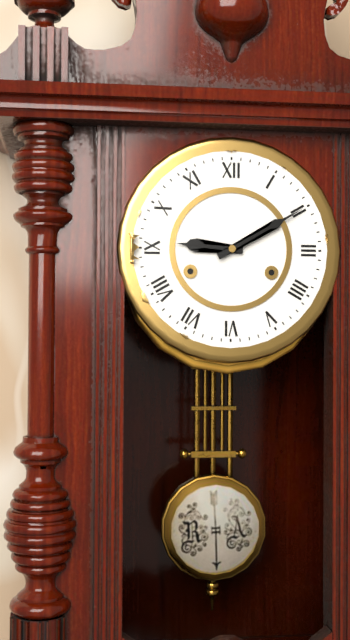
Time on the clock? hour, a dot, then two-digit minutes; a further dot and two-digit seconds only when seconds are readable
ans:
9.10
